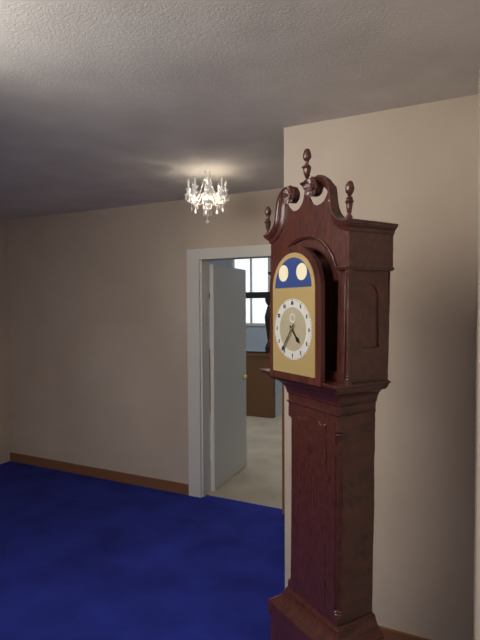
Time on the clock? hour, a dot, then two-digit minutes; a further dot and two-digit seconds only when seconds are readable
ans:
4.36
